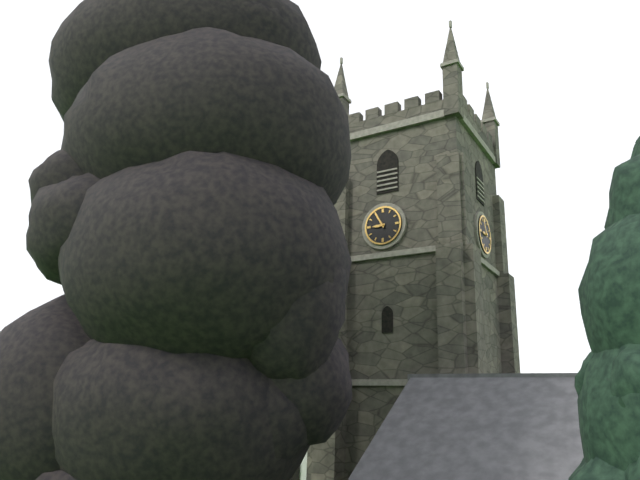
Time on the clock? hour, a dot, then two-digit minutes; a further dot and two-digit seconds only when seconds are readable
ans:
8.55
